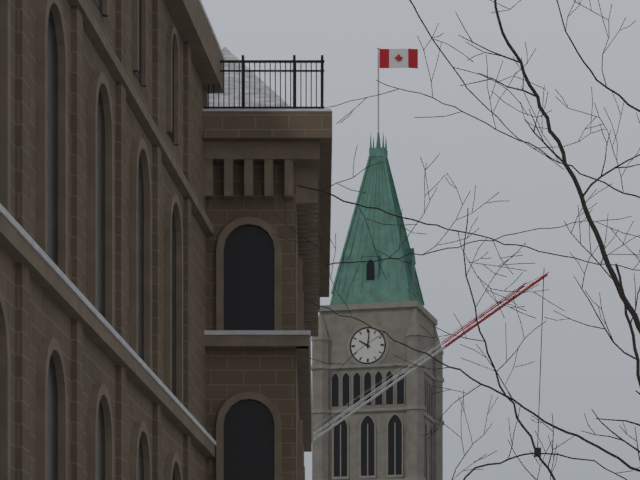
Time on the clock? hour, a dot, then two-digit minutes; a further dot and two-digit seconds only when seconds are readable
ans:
10.01
